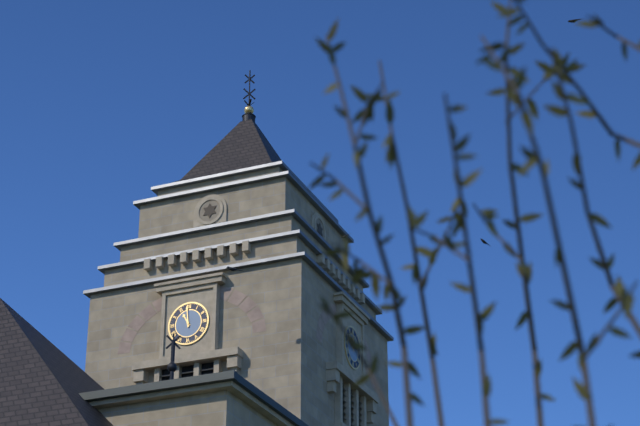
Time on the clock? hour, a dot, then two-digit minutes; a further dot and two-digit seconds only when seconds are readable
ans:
10.59
